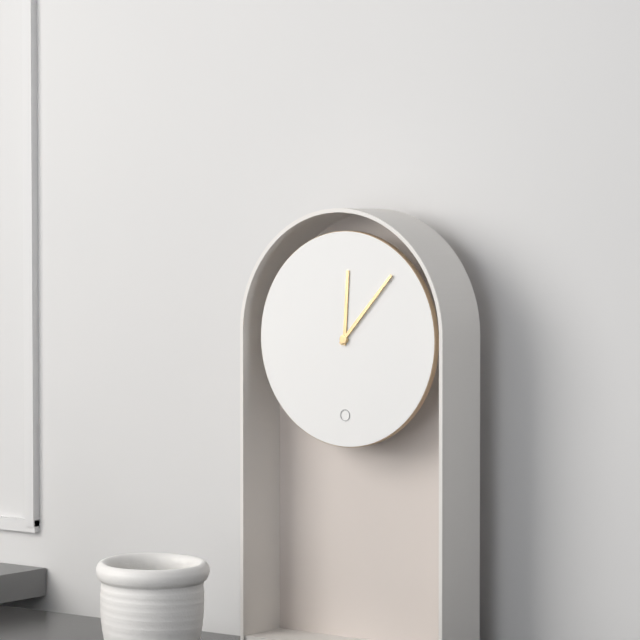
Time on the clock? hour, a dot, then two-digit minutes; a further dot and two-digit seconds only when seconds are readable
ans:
12.07
